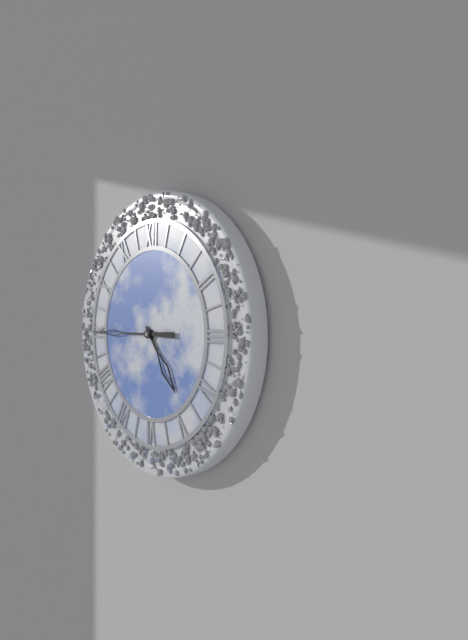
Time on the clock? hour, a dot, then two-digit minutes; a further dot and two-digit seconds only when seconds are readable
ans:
4.45
